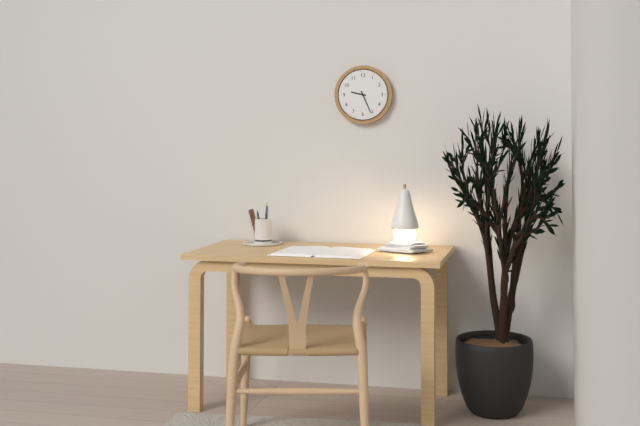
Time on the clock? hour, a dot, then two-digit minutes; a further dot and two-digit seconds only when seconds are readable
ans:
9.26
